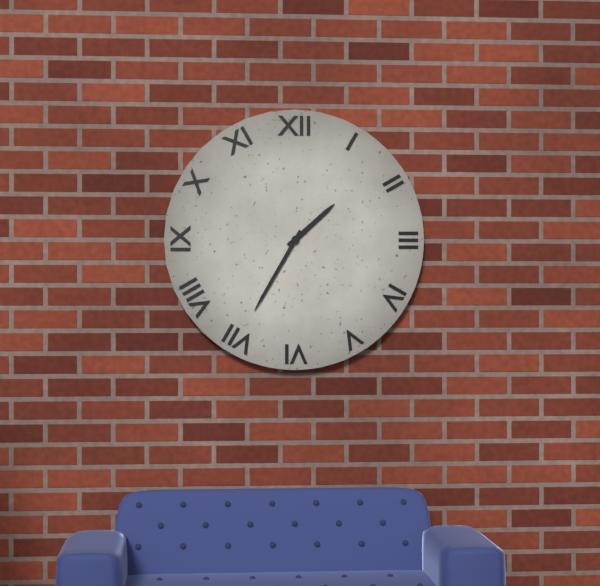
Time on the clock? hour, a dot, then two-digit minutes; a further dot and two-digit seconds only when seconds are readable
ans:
1.35
